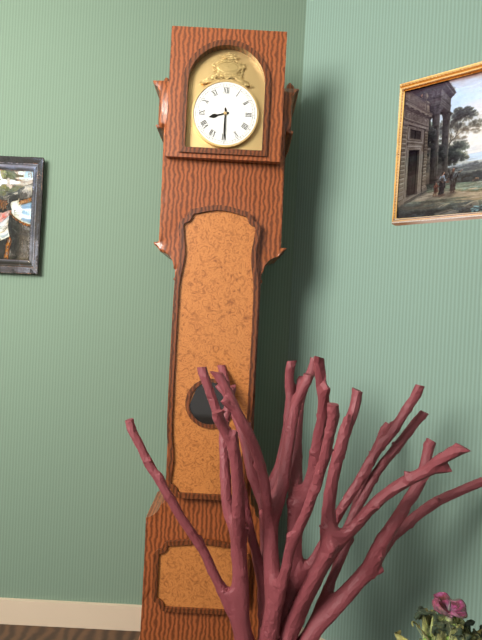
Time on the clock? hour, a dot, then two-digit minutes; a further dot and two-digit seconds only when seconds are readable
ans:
8.30
